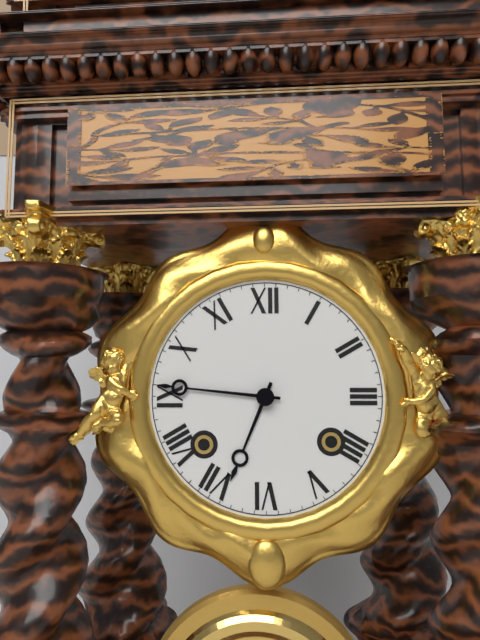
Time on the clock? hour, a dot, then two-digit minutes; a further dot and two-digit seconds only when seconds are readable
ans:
6.46
